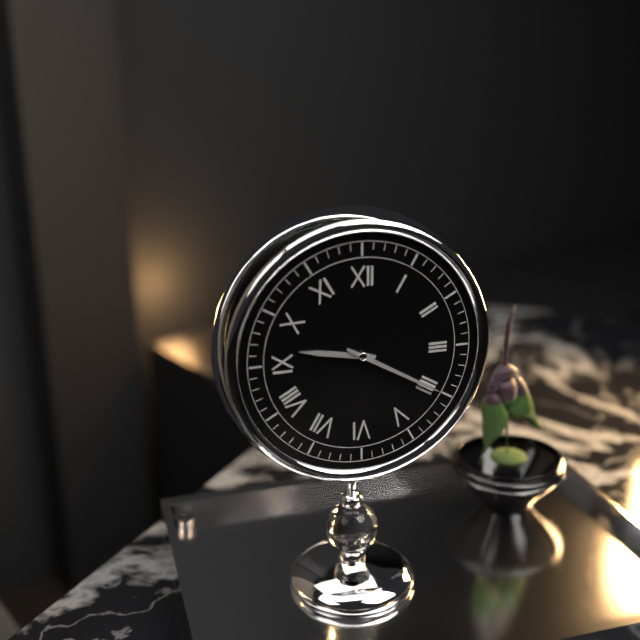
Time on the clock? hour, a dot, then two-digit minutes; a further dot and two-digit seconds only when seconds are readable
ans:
9.20
